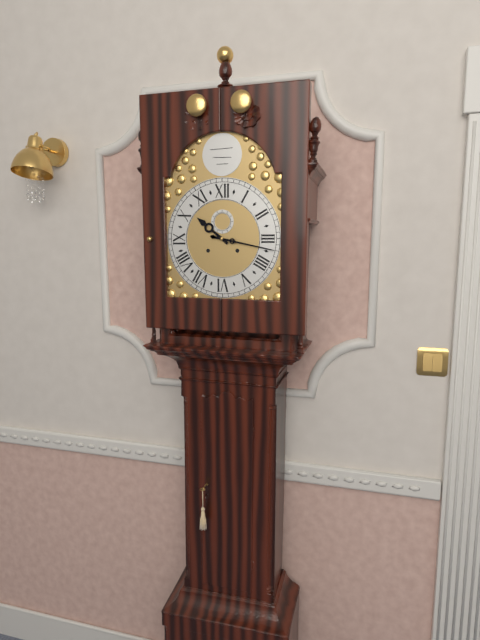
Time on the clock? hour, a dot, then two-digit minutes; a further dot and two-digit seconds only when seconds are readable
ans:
10.17
